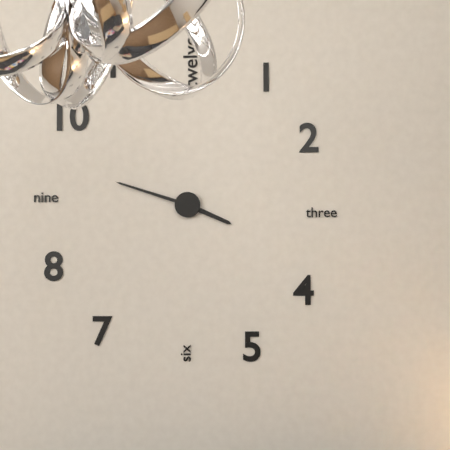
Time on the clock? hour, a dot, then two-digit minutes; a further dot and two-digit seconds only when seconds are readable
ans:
3.48
